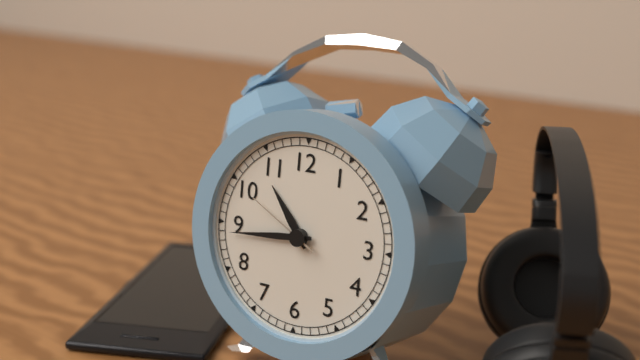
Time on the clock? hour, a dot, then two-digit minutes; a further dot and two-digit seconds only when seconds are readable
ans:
10.44.50
